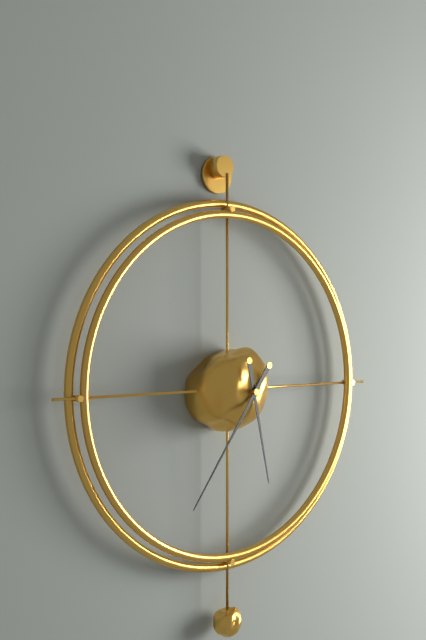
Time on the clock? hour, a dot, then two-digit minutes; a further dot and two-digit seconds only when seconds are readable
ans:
5.36
